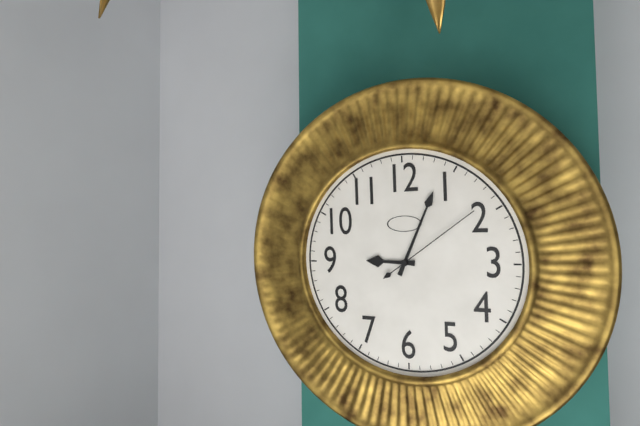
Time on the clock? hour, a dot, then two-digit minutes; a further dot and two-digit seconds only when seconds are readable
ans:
9.04.09
